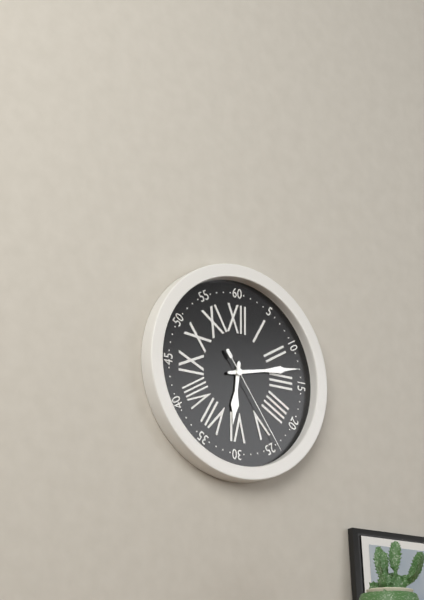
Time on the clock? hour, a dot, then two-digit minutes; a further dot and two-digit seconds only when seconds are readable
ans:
6.13.24
